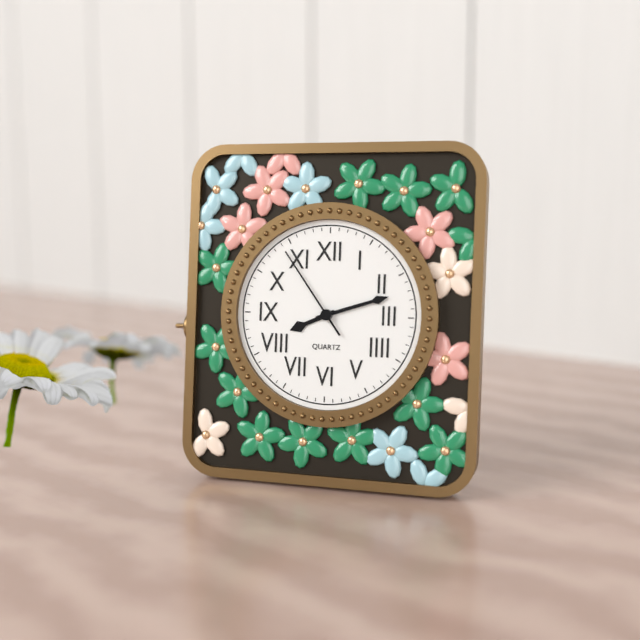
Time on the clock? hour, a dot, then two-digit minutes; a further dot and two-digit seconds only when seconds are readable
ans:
8.12.54
